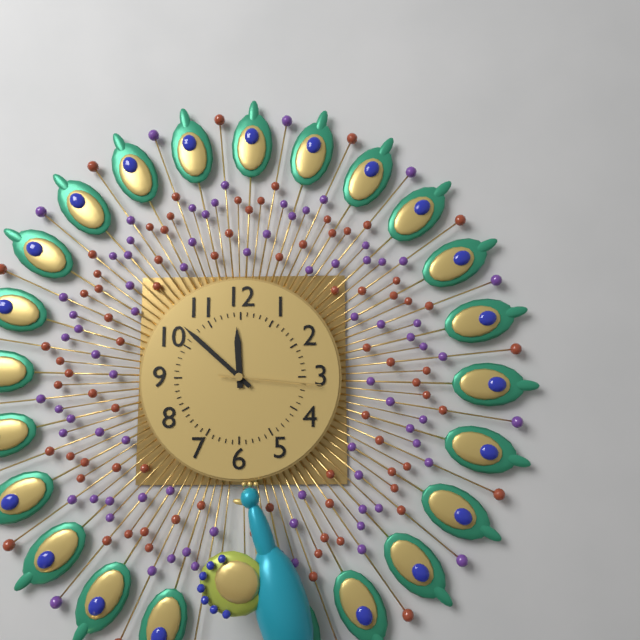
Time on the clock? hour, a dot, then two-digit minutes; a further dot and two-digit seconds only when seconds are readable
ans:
11.52.16
